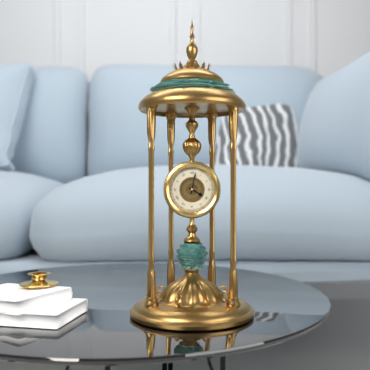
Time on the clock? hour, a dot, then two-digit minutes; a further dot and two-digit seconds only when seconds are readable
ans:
4.02
